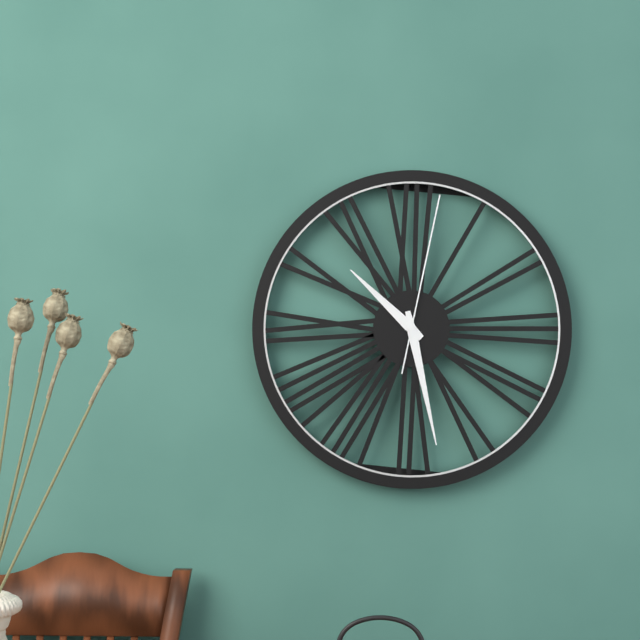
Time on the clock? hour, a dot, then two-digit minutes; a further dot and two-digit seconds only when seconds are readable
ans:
10.28.02
